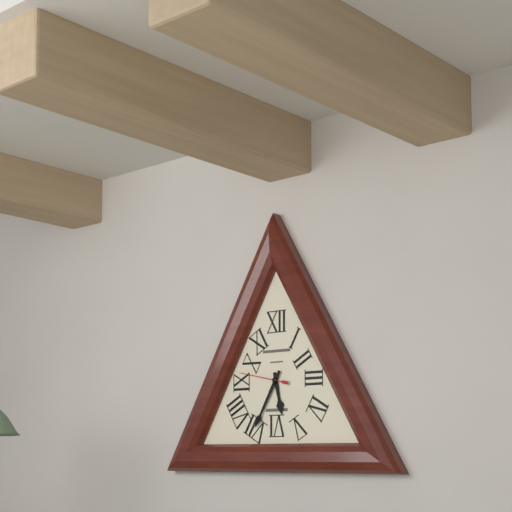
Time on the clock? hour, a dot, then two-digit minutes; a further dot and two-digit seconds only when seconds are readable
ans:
5.35
